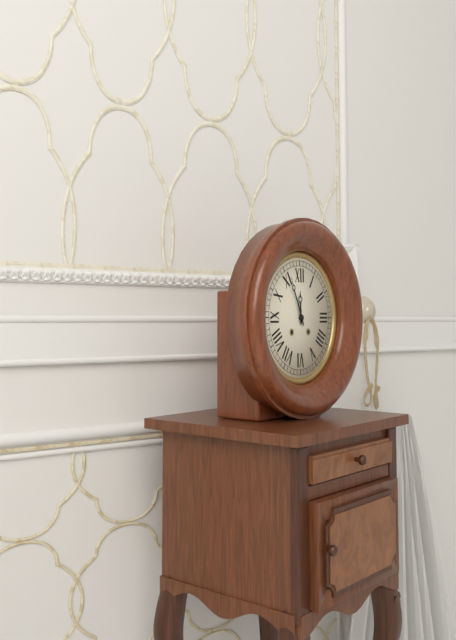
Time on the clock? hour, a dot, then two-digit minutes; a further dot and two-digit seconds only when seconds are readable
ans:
11.56
